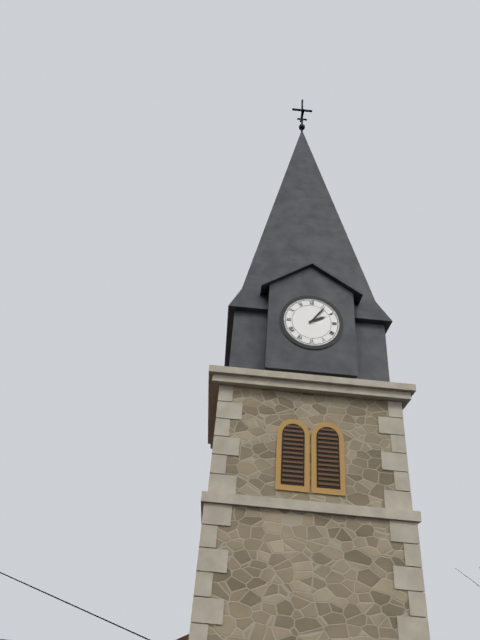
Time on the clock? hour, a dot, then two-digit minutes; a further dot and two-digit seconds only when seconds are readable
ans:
2.06
